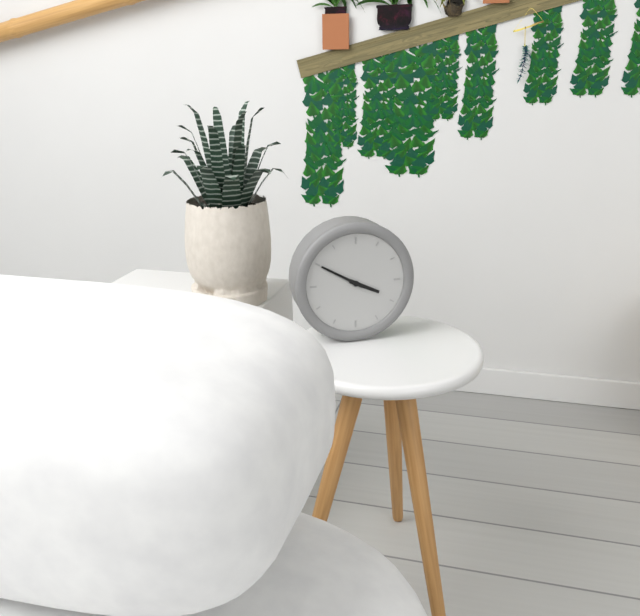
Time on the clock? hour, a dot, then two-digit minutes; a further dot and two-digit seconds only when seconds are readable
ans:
3.50
